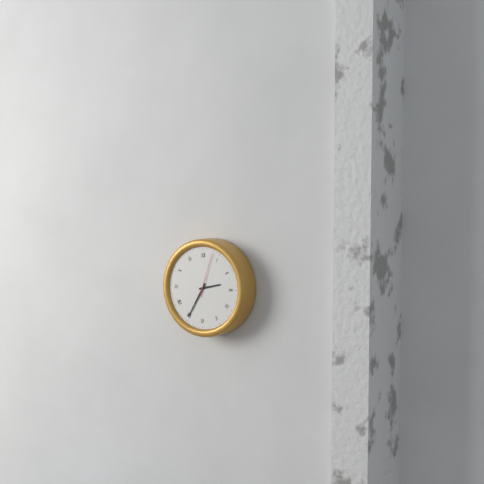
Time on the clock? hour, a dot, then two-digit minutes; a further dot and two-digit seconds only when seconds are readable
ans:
2.35
